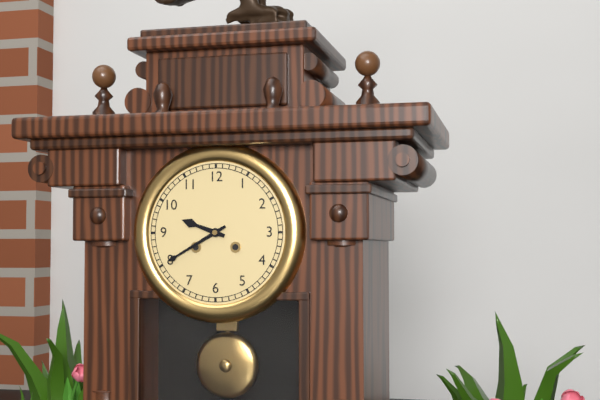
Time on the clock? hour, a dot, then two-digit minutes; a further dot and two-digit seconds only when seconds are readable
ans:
9.40
